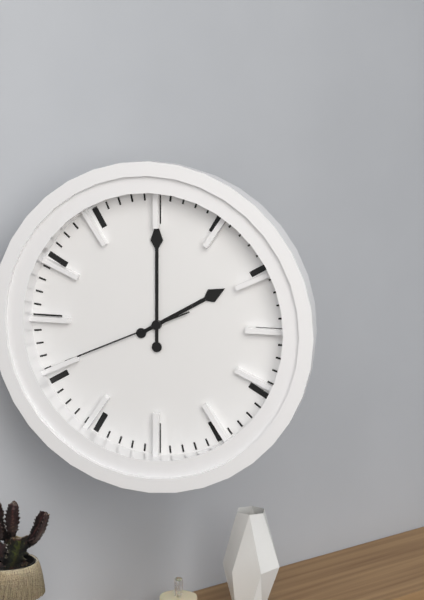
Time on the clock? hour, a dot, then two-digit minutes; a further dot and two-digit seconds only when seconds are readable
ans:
2.00.41
